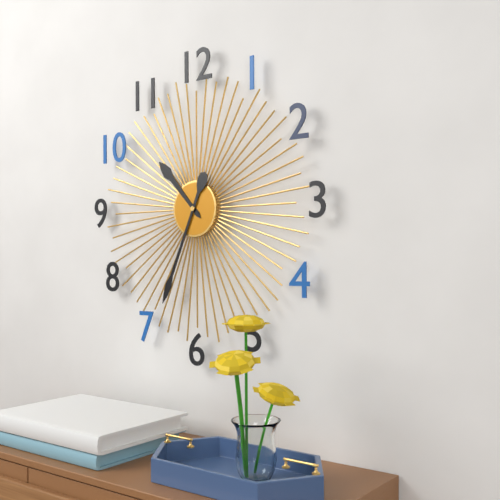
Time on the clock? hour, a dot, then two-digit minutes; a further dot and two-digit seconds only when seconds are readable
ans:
10.34
